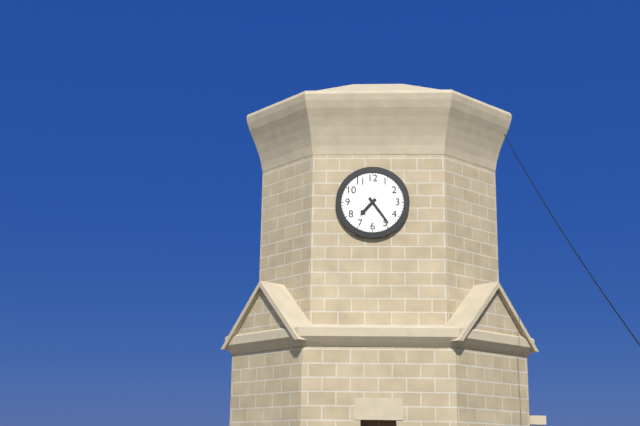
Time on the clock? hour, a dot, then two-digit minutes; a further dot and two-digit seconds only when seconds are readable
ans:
7.24
